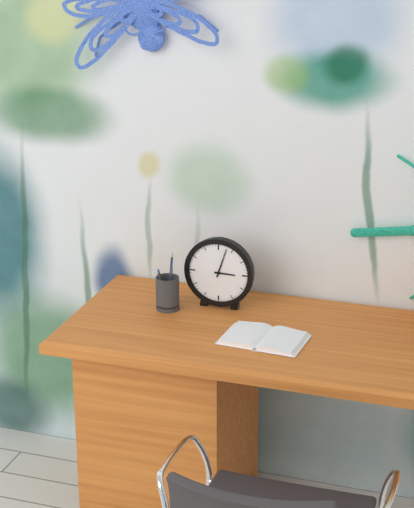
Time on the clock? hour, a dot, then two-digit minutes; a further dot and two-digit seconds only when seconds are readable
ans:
3.03
